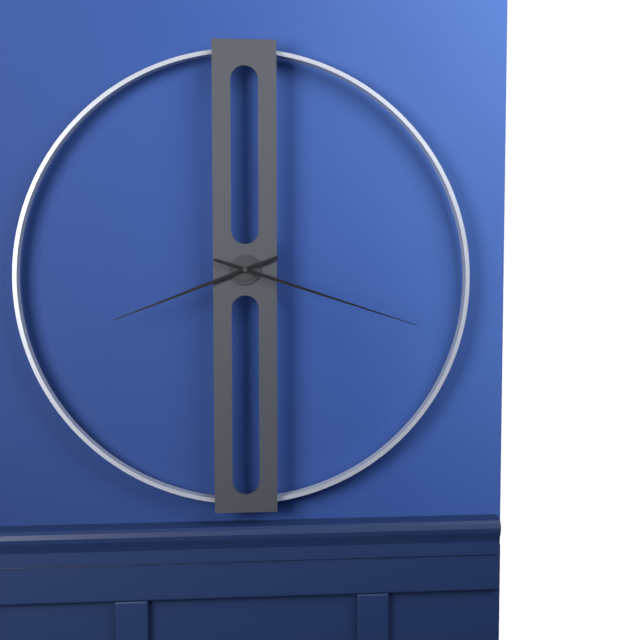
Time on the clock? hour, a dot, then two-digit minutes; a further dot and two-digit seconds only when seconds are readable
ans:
8.18
